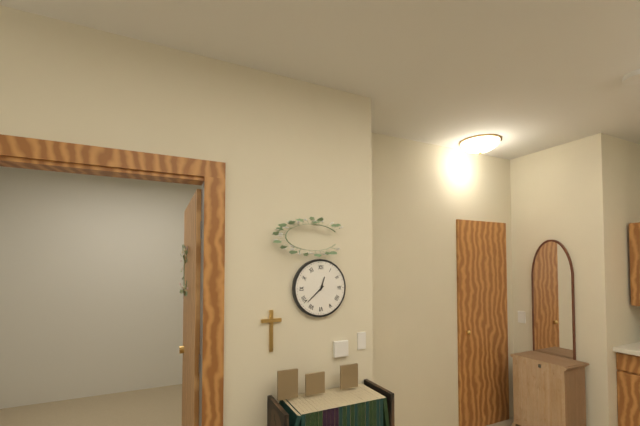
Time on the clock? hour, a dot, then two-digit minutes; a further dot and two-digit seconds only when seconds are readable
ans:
12.38
